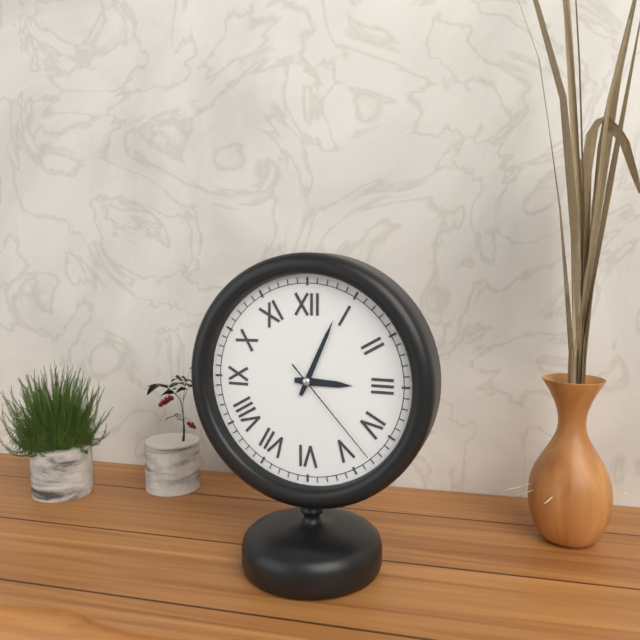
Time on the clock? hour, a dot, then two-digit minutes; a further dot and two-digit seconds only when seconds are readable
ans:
3.04.23
